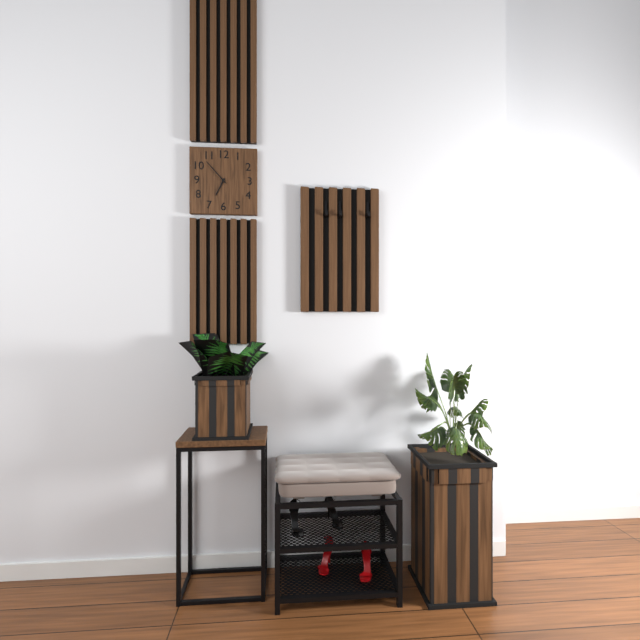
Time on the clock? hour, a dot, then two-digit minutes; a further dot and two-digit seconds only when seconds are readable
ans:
6.53
